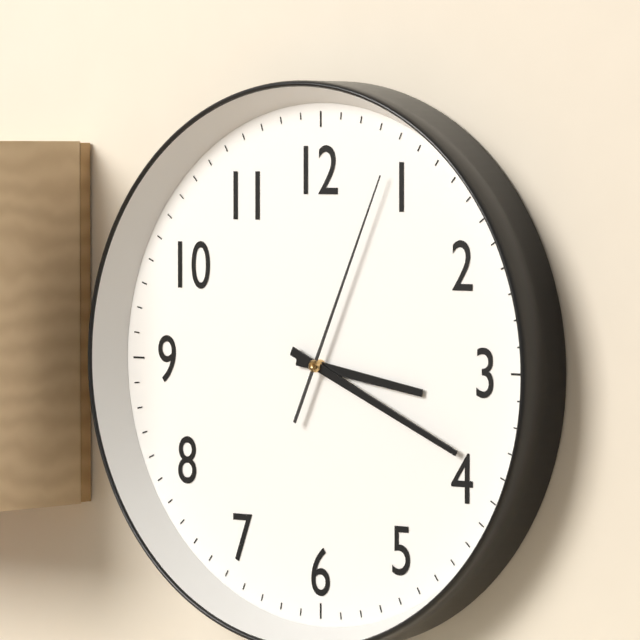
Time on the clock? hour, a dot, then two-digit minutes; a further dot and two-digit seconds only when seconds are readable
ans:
3.19.04
